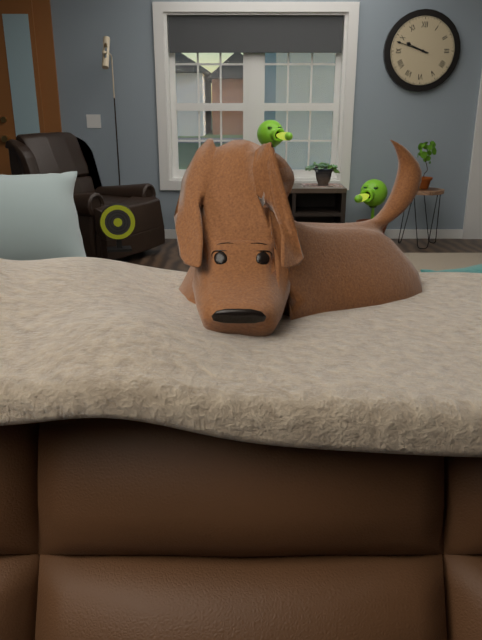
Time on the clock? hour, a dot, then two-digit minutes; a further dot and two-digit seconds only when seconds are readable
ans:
9.48
